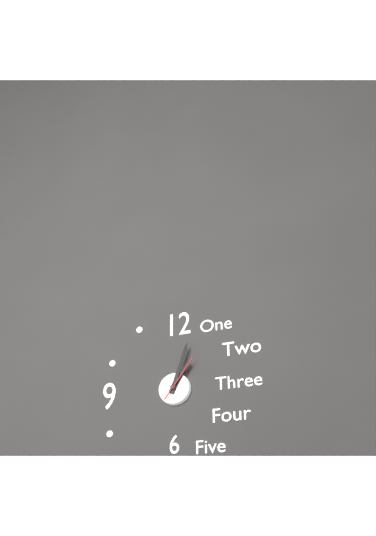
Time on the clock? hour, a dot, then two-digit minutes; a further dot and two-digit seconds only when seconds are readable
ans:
1.03
